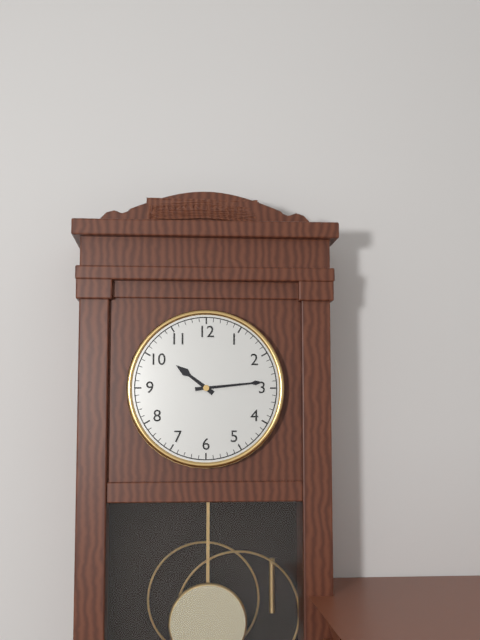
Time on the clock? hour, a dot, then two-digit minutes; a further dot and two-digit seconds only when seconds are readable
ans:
10.14
